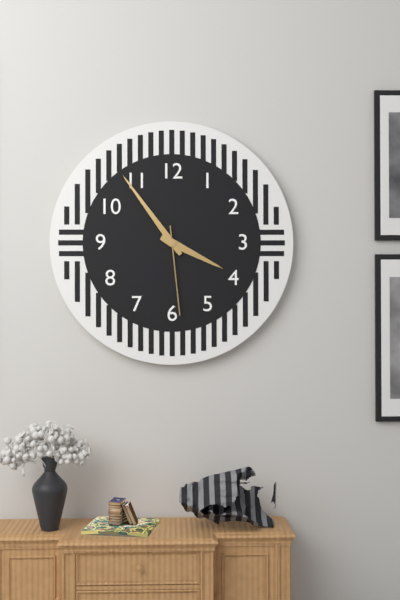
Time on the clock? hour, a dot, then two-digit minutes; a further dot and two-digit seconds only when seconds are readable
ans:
3.54.29
